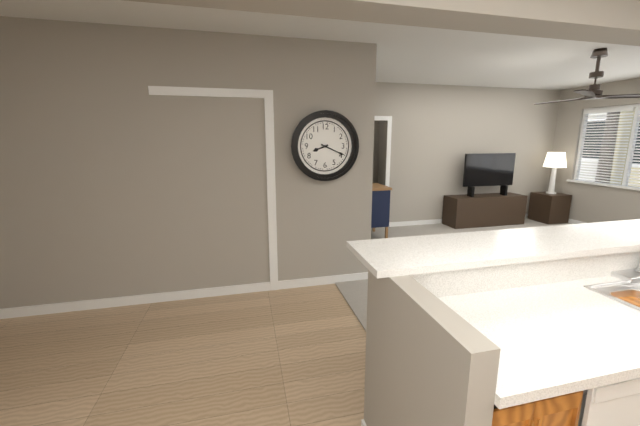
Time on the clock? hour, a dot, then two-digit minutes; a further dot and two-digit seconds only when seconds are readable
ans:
8.19
